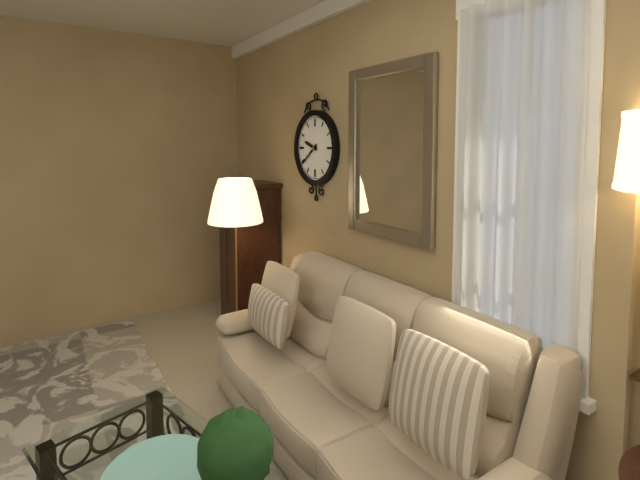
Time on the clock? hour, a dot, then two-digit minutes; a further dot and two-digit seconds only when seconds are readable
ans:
9.39
